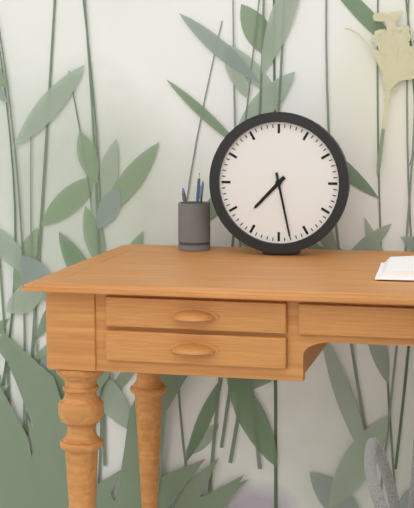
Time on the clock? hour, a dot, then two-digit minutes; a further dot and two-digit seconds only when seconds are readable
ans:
7.28
